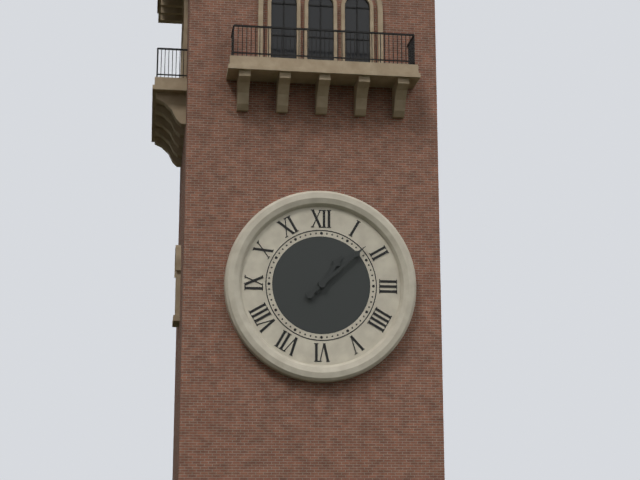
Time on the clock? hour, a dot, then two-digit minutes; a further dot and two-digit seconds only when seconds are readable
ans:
1.08
